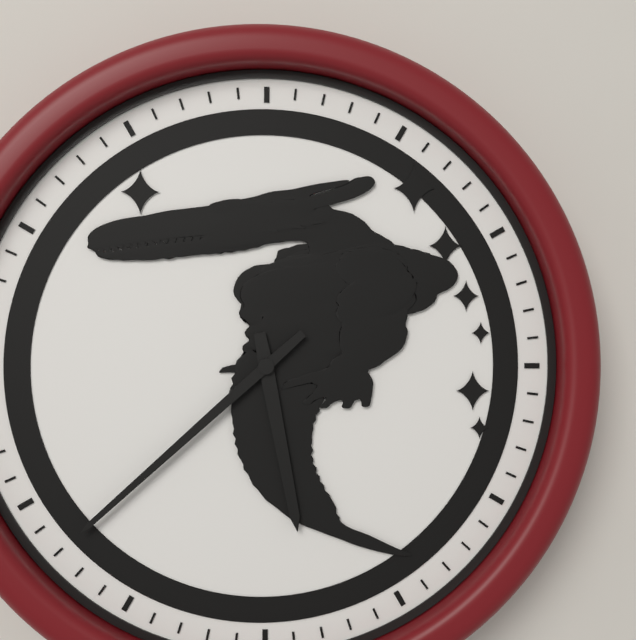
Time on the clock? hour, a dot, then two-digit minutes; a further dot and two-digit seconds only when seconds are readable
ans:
5.38
